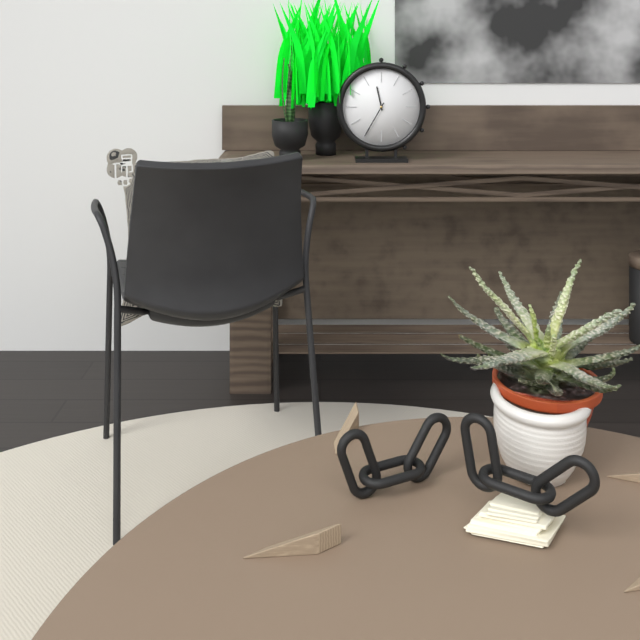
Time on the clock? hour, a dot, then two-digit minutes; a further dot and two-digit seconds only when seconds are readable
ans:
11.35
